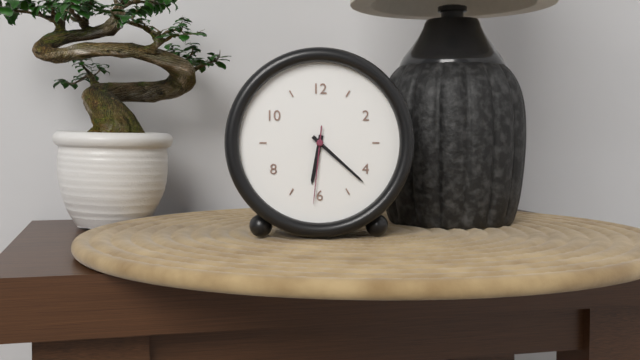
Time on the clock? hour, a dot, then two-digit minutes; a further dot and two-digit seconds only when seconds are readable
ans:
6.22.31
